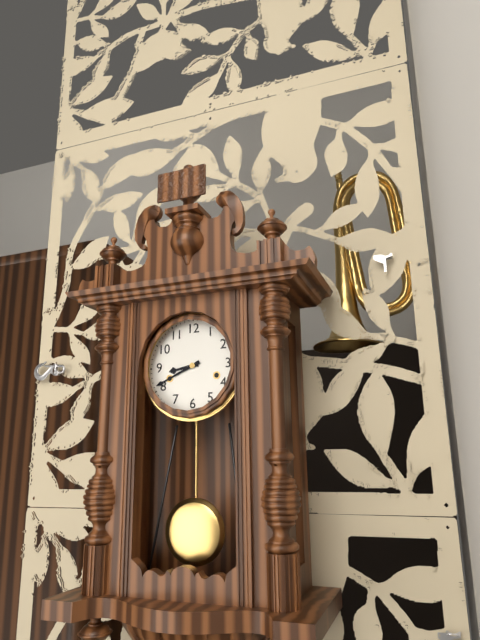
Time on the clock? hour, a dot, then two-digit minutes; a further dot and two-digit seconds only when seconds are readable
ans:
8.41
